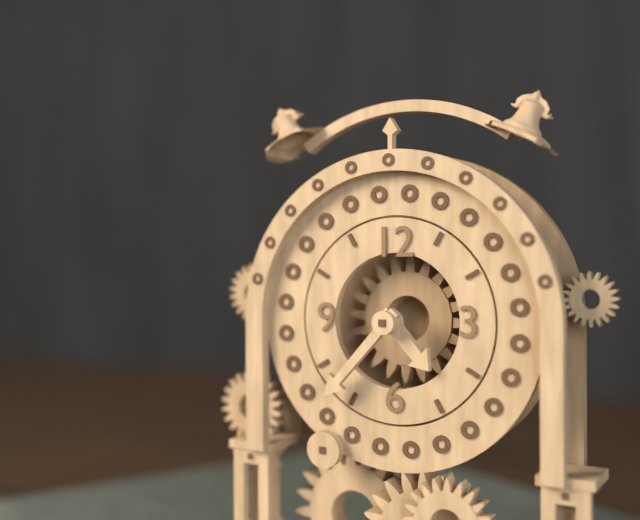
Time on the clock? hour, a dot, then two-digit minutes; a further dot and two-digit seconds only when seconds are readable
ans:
4.37
